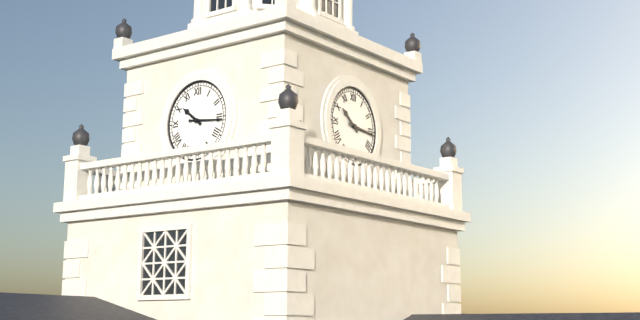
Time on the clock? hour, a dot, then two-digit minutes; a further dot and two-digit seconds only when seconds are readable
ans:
10.16
